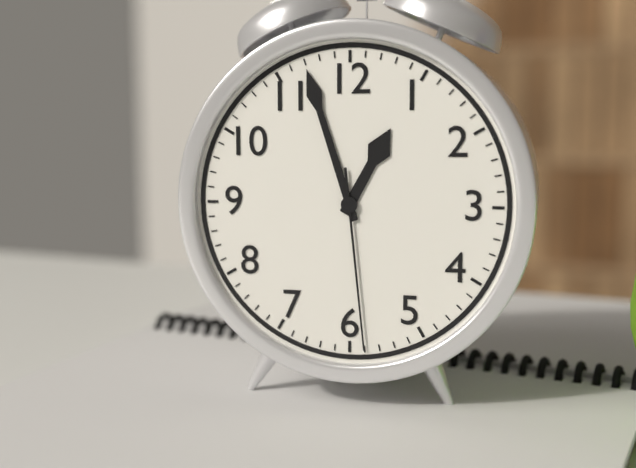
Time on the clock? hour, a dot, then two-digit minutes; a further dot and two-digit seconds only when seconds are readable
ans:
12.57.29
